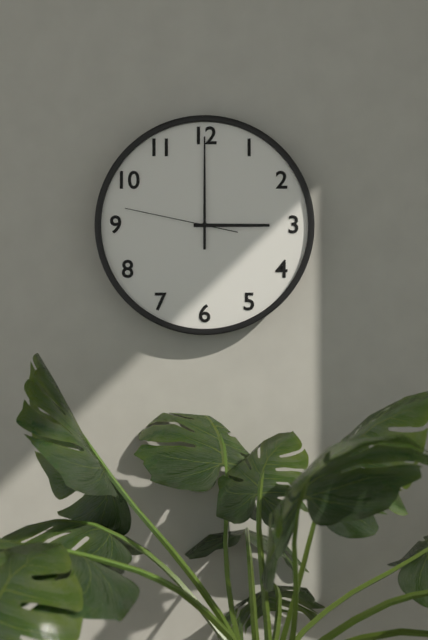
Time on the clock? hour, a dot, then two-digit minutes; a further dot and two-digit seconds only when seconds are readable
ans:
3.00.47
